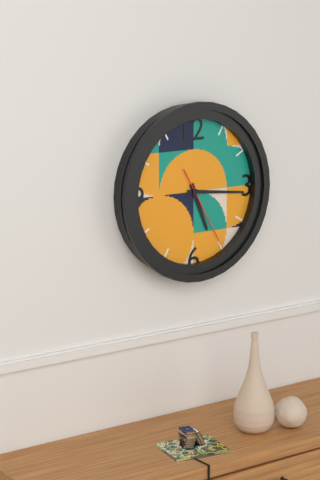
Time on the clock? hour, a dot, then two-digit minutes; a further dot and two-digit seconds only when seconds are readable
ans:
5.16.25
